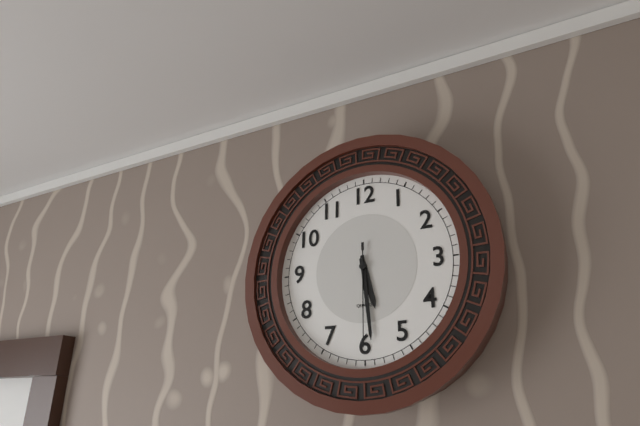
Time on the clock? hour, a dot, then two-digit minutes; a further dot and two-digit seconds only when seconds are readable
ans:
5.29.30
